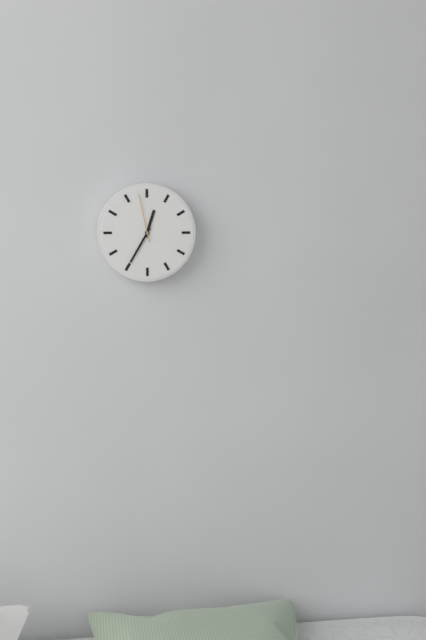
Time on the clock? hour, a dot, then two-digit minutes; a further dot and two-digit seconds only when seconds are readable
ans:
12.35.58
